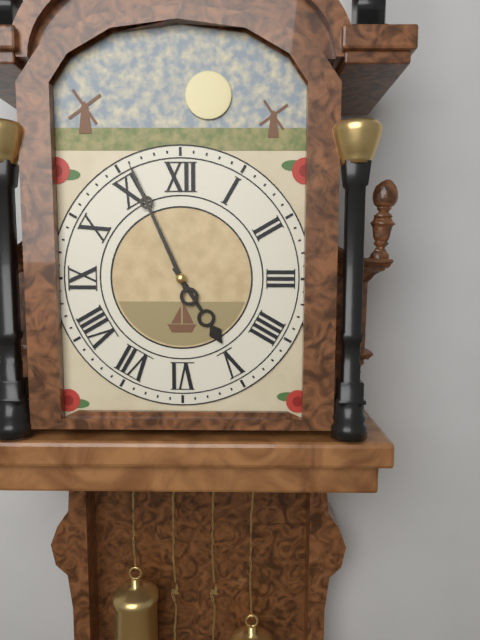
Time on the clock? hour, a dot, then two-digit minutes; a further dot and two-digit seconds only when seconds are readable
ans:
4.56
